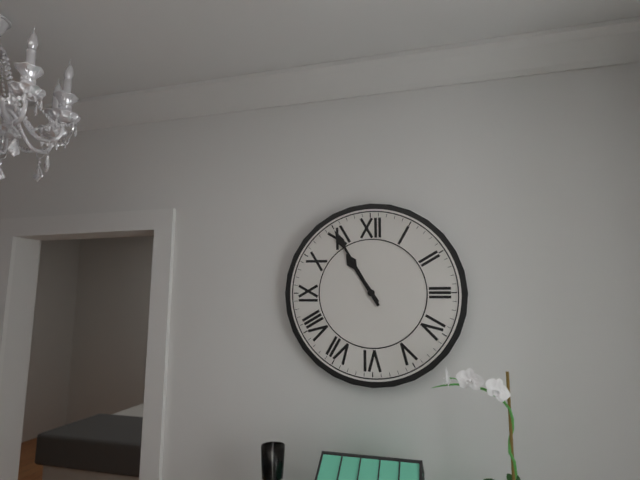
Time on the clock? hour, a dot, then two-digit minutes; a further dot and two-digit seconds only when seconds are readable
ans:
10.55
